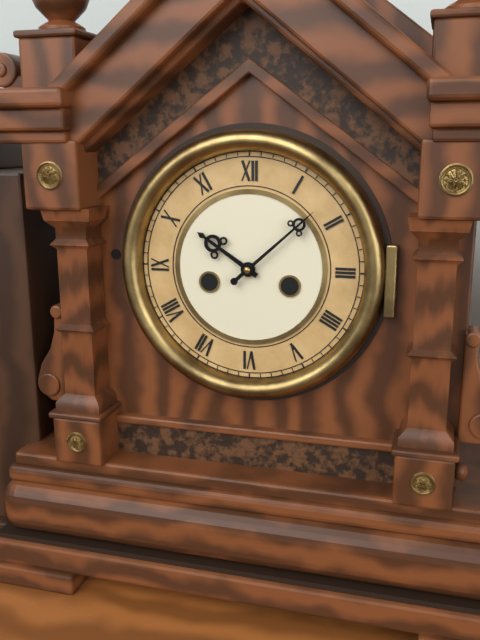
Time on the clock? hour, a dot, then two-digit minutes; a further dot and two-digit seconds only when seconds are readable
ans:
10.08
